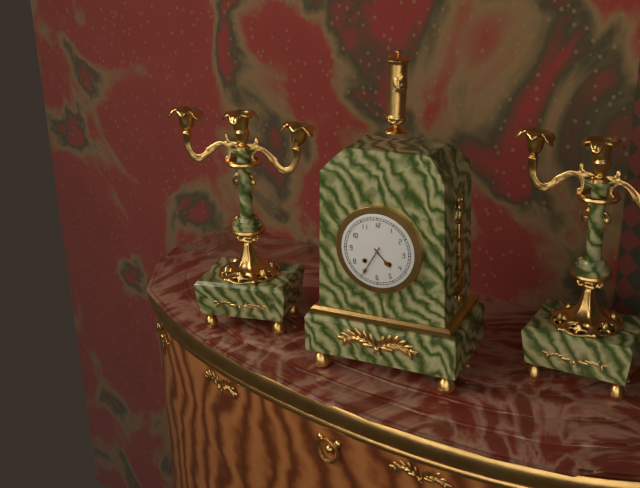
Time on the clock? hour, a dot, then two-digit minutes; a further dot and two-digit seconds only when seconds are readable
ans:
4.35
